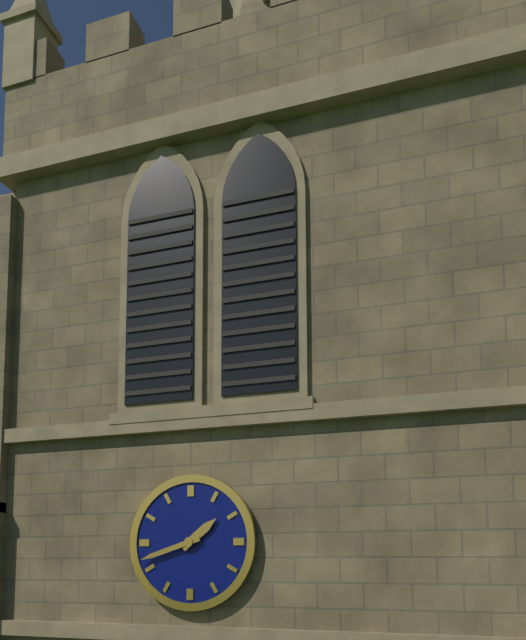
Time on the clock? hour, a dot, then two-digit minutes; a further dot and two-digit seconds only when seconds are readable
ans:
1.42
